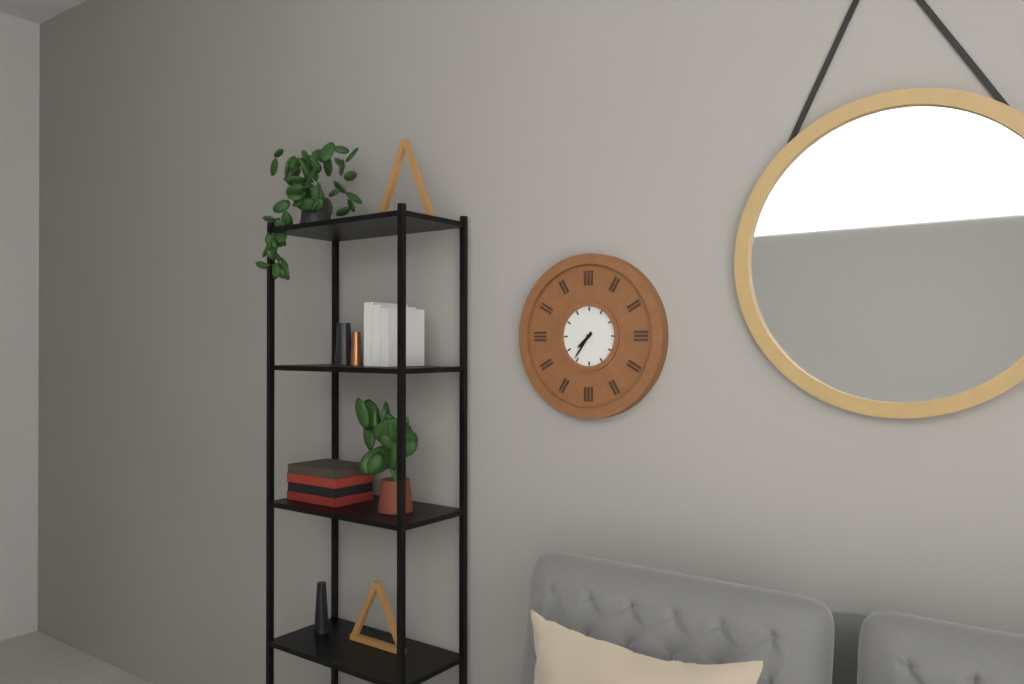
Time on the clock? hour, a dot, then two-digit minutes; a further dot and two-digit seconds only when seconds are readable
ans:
7.36
